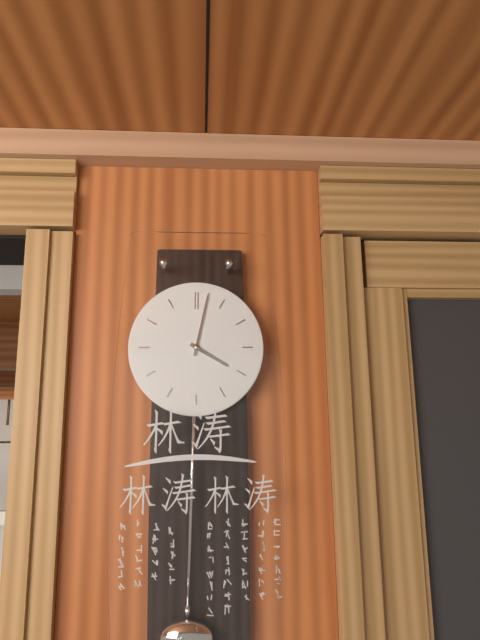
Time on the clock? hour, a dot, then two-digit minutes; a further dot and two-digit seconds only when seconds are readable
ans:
4.02
